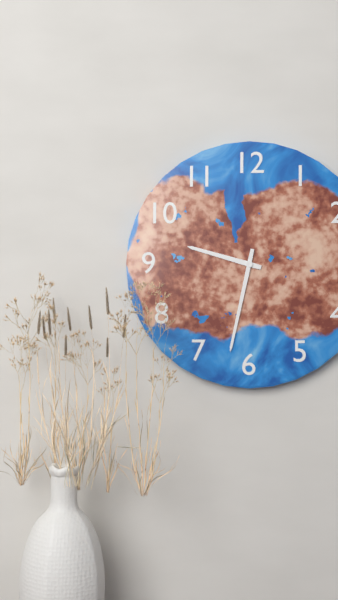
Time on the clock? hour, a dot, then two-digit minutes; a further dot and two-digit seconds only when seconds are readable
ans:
9.32
